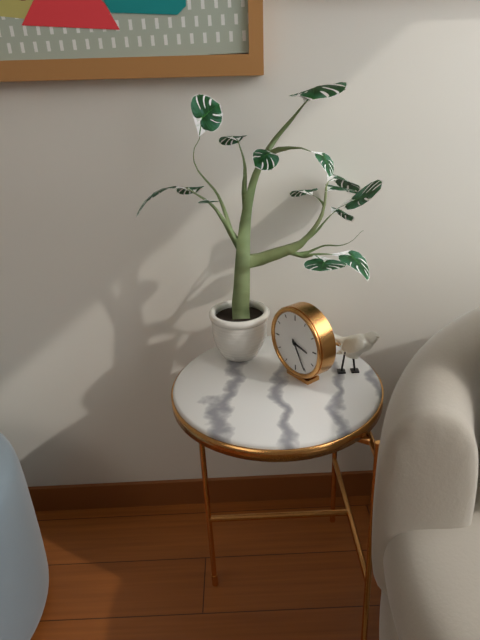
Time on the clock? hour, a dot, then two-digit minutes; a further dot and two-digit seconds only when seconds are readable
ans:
3.25
